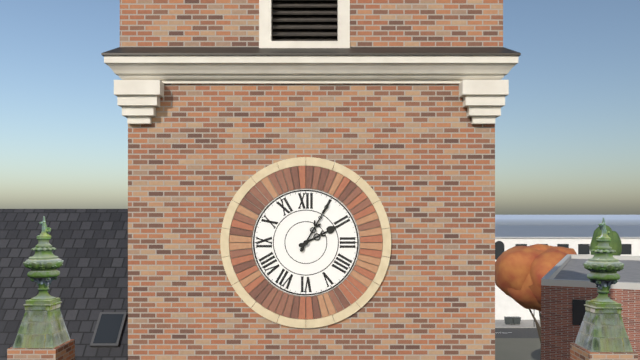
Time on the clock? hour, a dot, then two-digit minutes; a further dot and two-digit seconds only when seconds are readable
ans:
2.05
